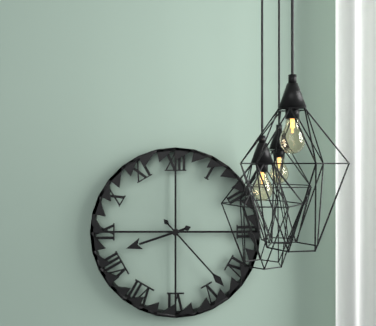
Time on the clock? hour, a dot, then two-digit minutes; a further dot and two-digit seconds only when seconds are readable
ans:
8.23
